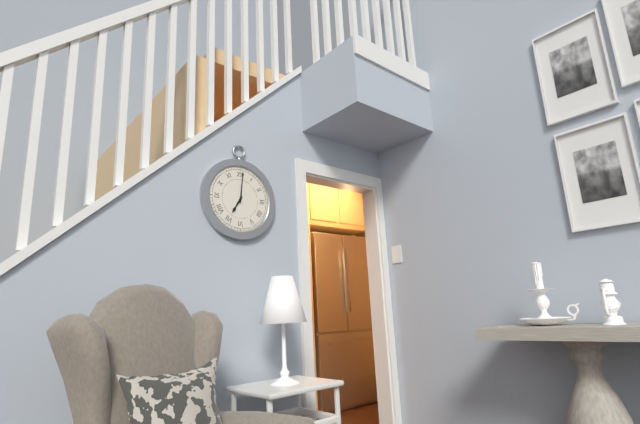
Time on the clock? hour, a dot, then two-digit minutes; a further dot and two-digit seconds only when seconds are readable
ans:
7.01
